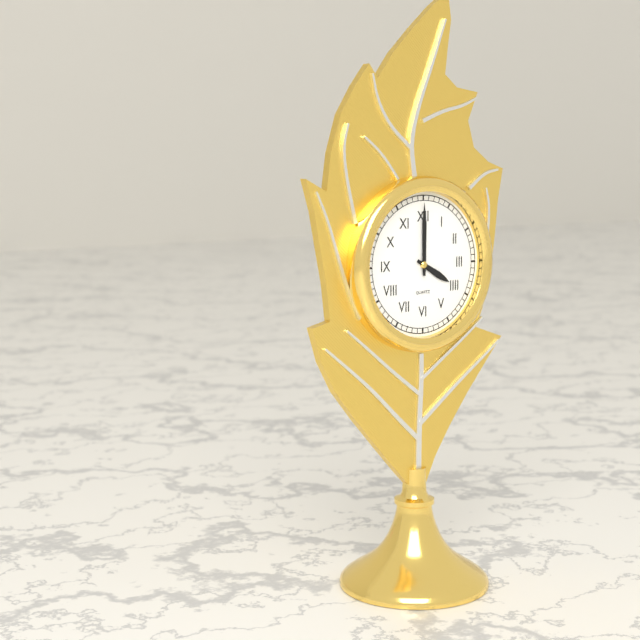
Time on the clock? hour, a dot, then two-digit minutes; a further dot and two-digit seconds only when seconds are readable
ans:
4.00
